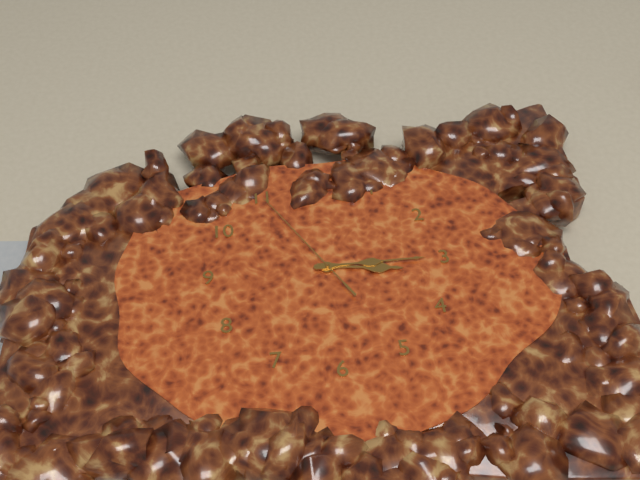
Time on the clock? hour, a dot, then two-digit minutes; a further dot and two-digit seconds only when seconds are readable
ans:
3.15.55
